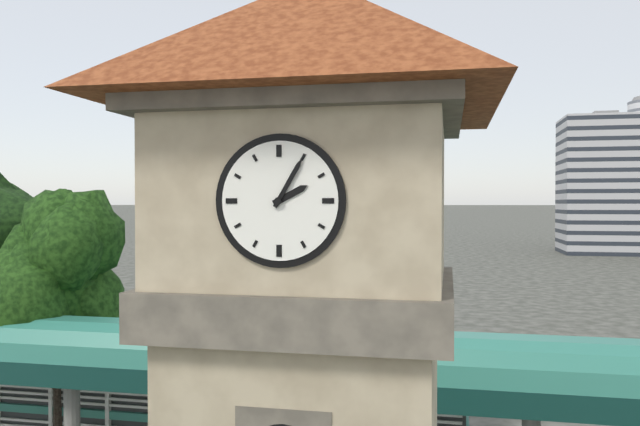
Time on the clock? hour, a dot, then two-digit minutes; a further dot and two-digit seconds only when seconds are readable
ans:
2.05
